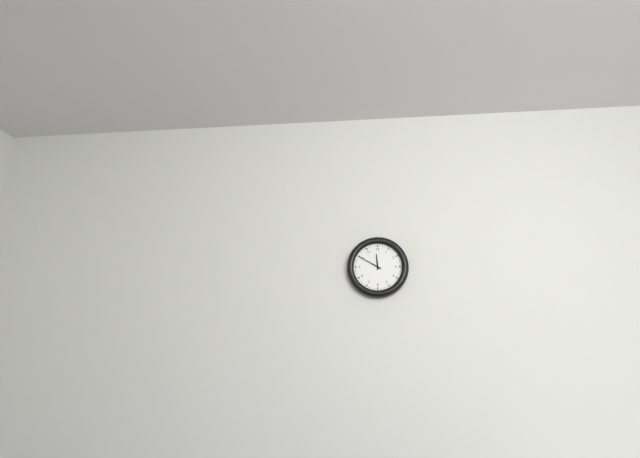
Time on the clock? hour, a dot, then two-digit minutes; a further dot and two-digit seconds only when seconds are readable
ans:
11.50
